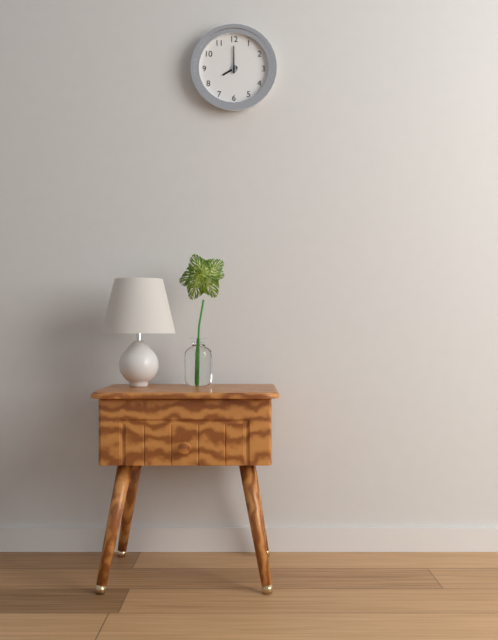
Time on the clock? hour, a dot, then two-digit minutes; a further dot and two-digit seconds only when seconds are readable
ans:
8.00
